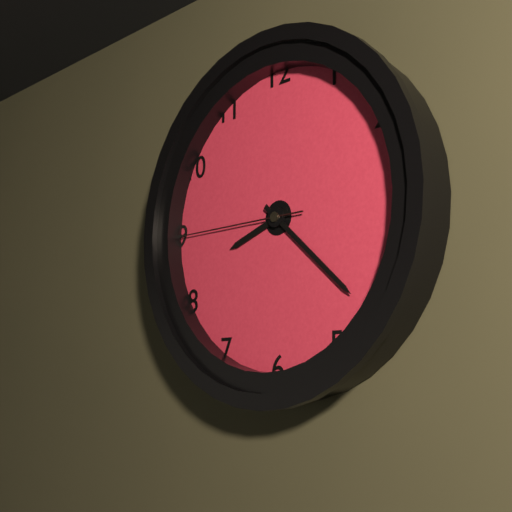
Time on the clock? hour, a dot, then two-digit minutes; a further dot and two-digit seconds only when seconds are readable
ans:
8.22.45
